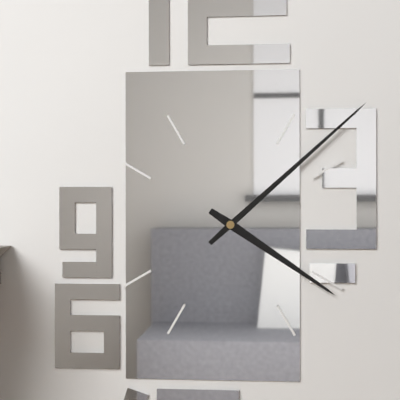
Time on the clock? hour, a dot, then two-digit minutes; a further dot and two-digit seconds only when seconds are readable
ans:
4.08
